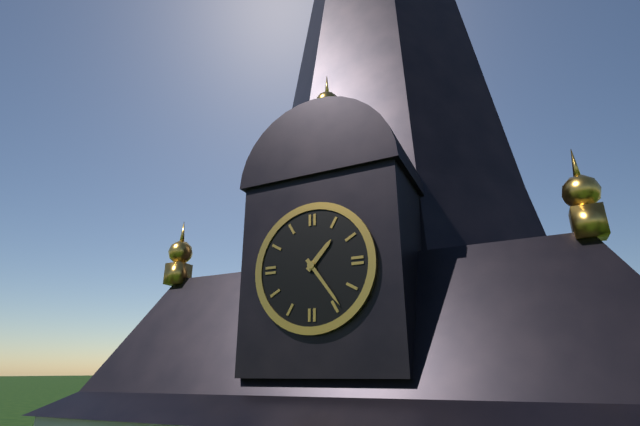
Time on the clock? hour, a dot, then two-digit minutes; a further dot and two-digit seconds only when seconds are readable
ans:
1.24
